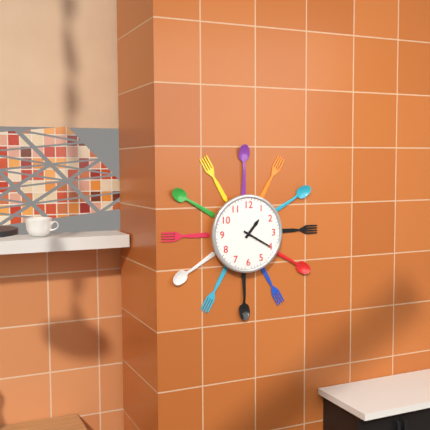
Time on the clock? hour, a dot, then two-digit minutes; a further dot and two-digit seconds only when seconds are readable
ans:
1.20
